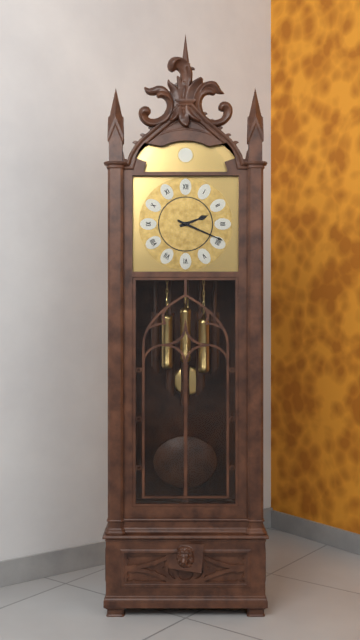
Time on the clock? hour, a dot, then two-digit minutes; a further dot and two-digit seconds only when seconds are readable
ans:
2.19
